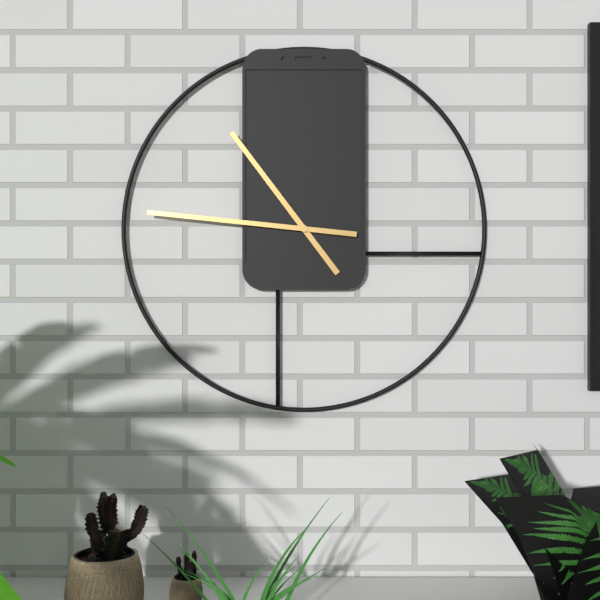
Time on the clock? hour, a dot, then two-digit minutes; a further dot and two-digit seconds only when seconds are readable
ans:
10.46
